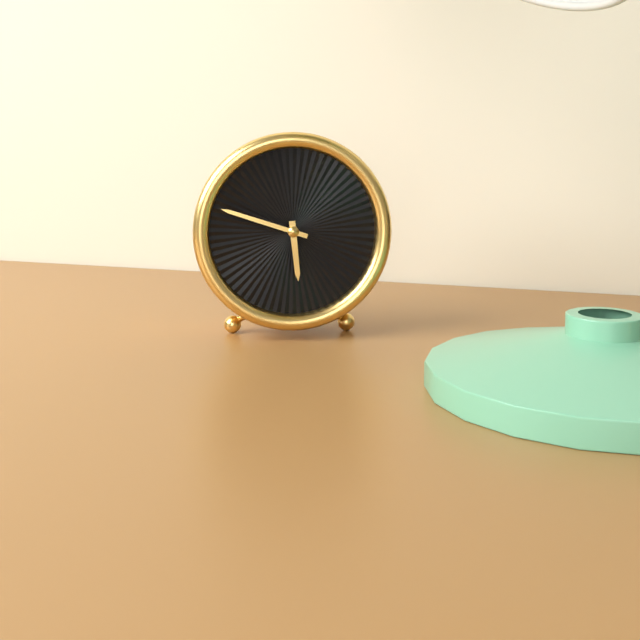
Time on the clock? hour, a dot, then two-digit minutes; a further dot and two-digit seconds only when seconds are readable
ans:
5.48
